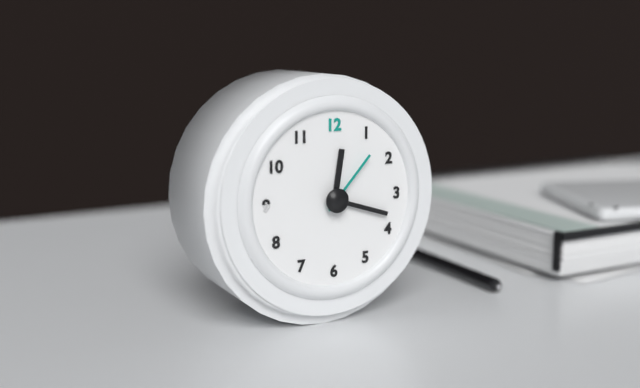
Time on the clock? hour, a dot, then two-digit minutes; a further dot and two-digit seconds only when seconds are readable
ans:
12.18.07
